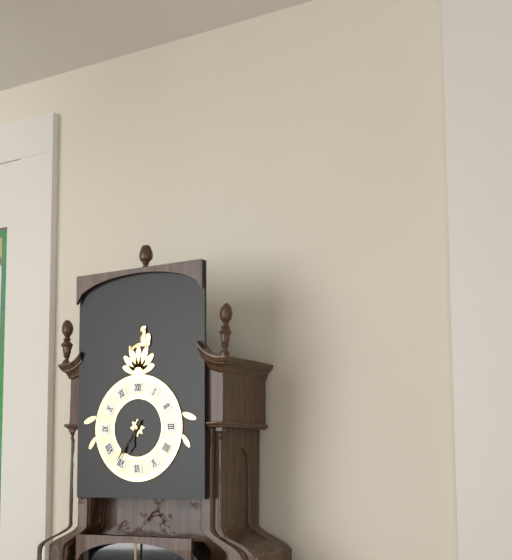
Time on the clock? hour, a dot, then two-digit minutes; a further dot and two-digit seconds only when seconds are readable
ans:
6.36
